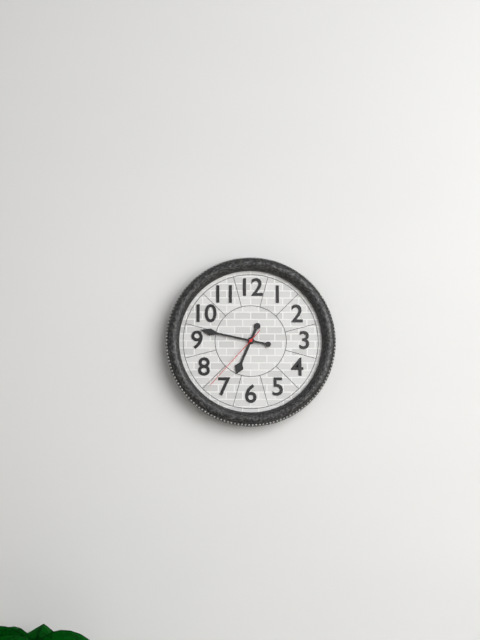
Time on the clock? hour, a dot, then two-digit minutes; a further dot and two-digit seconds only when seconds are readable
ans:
6.47.37
